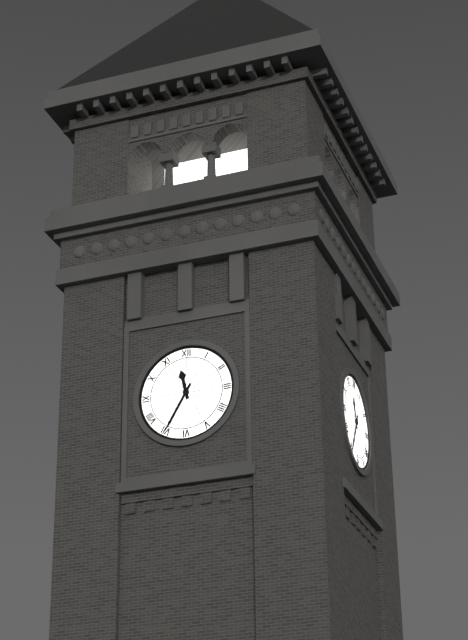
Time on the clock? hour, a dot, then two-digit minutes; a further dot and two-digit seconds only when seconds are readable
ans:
11.35
